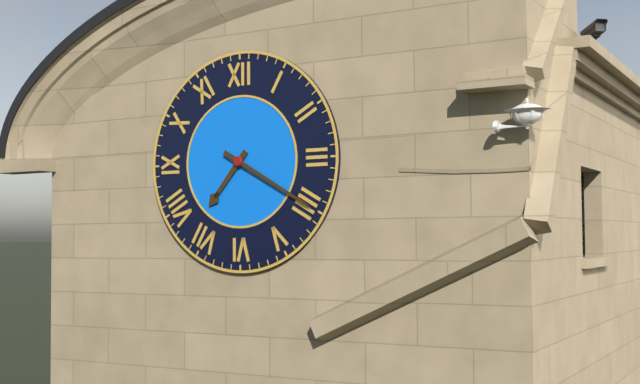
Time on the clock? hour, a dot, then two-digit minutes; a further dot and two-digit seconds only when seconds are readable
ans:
7.20
